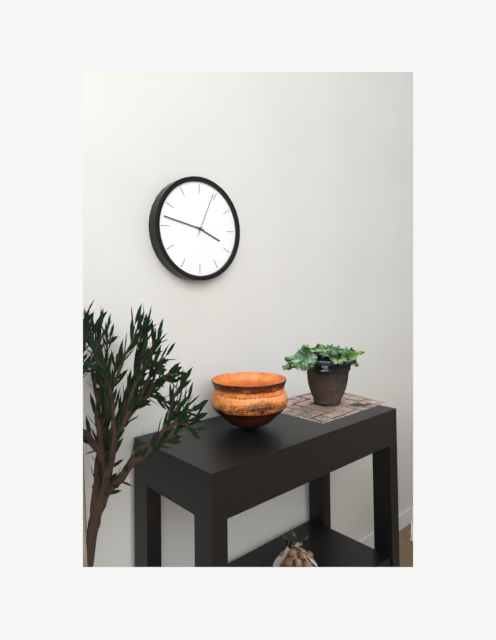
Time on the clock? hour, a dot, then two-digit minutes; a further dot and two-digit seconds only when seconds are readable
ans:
3.47
